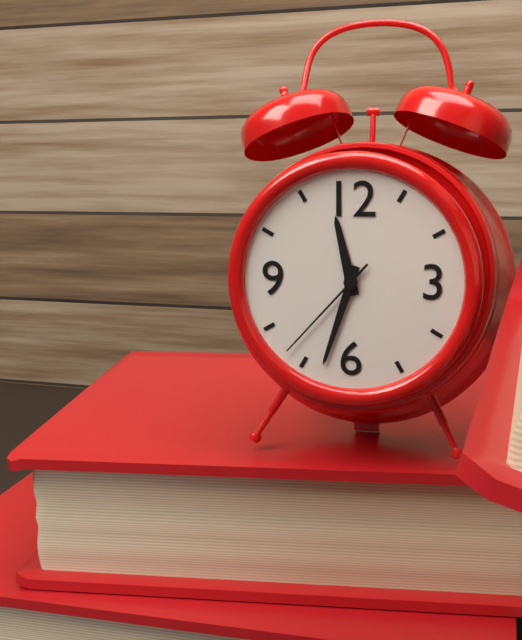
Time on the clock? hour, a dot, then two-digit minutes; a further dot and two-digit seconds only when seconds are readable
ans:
11.33.37
